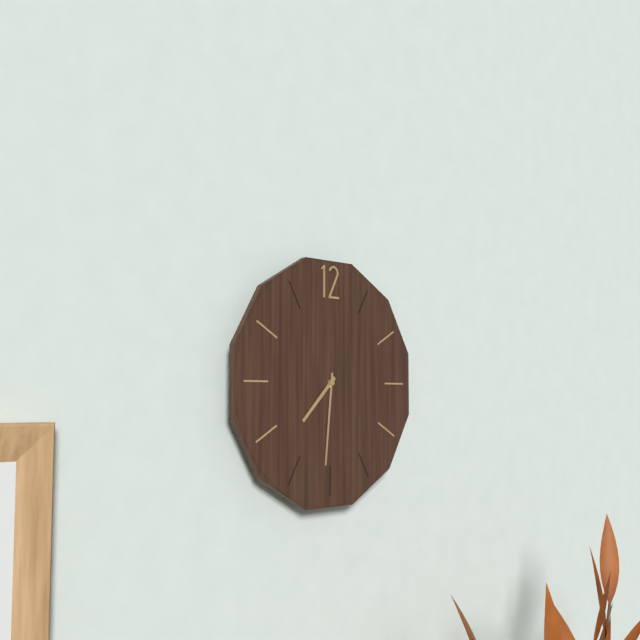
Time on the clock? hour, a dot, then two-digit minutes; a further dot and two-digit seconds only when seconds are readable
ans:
7.31
